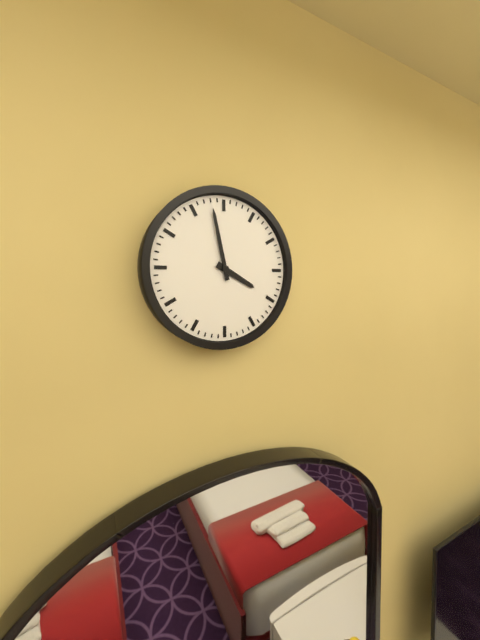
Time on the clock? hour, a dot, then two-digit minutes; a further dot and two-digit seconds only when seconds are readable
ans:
3.58
